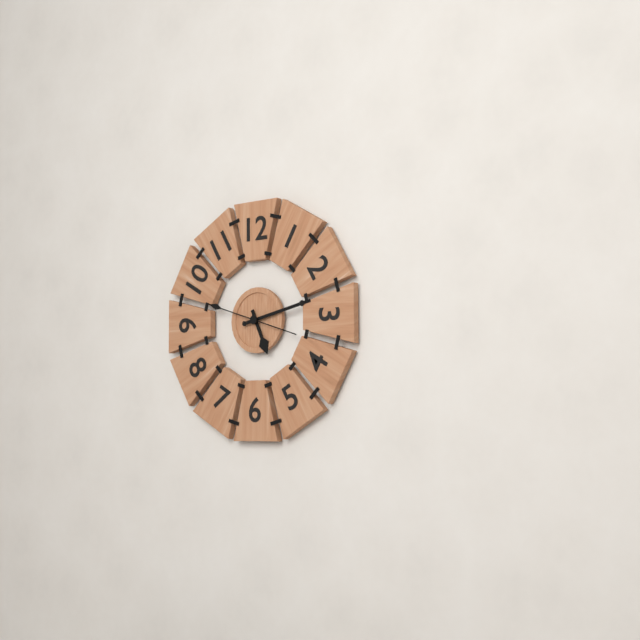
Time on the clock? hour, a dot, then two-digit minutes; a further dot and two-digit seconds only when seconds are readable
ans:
5.13.48
